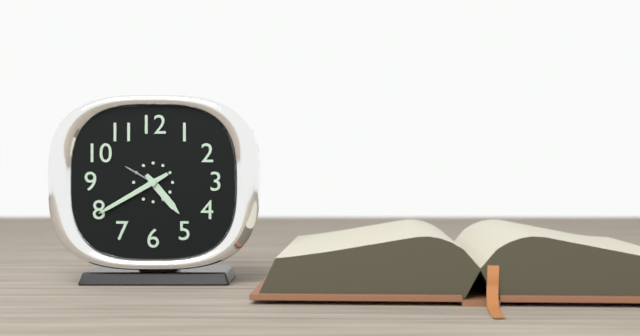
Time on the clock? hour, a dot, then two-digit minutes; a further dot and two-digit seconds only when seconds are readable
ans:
4.40
